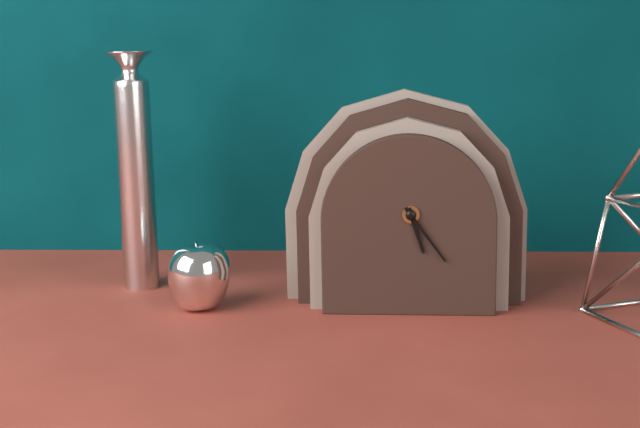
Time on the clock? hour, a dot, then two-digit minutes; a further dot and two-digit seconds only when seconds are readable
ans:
5.24
